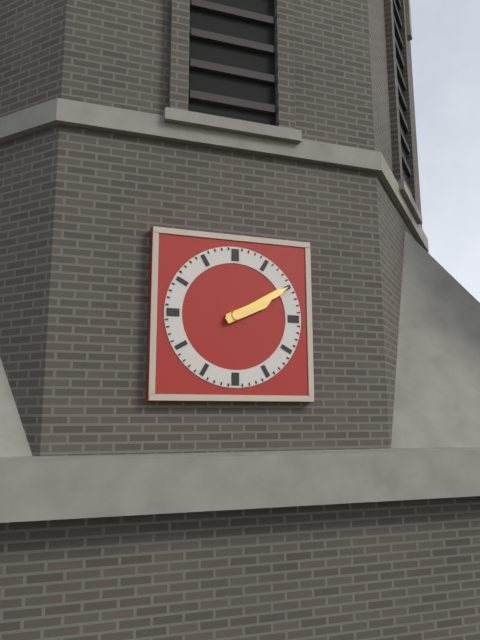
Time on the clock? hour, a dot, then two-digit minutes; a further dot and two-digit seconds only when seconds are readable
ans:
2.10
